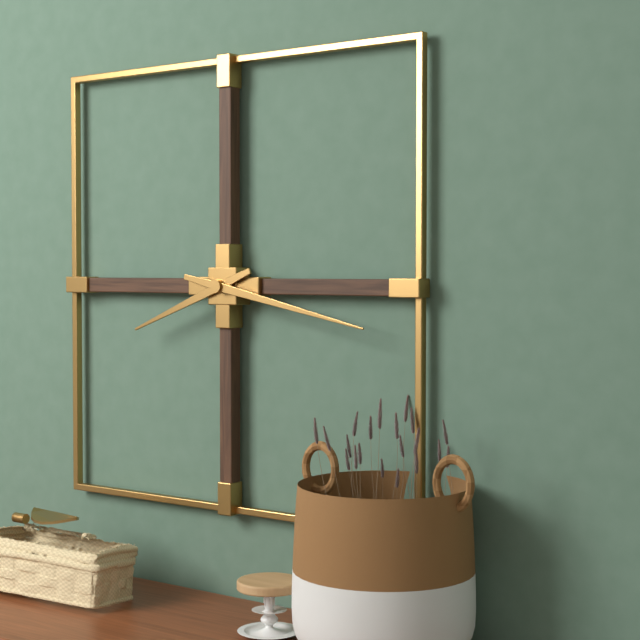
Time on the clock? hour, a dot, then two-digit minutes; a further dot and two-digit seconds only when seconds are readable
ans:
8.17
